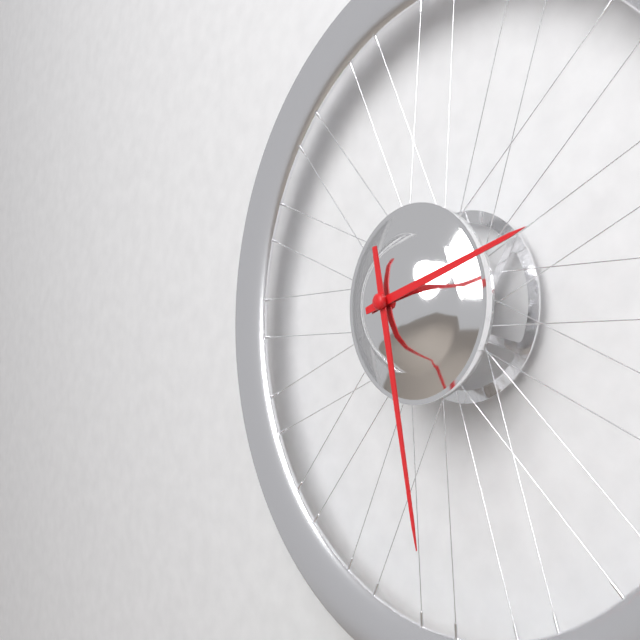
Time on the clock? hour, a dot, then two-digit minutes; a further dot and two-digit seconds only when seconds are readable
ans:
2.28
